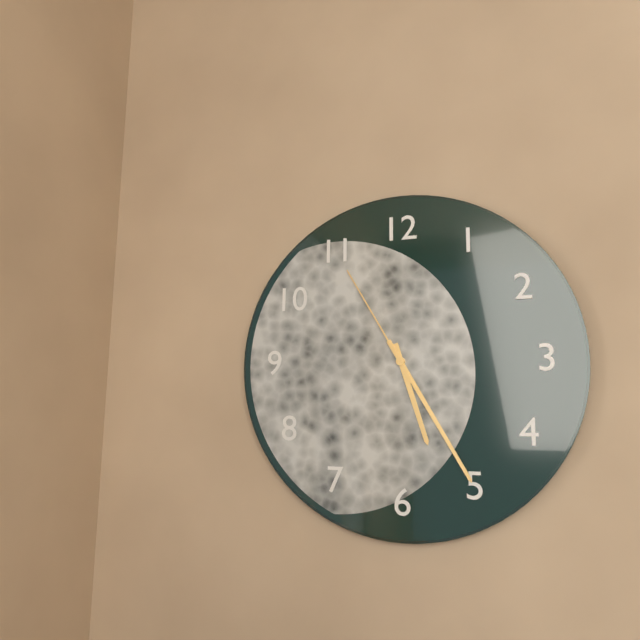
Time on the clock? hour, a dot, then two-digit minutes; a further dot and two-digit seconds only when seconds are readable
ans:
5.25.55
